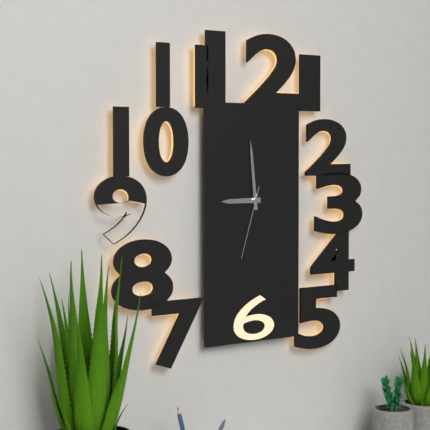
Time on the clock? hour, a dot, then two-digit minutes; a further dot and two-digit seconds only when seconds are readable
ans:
8.59.33
